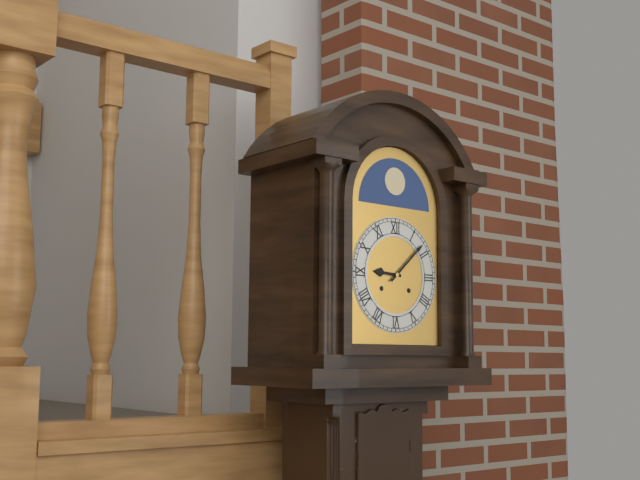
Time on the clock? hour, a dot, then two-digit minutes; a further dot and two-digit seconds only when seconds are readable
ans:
9.08
